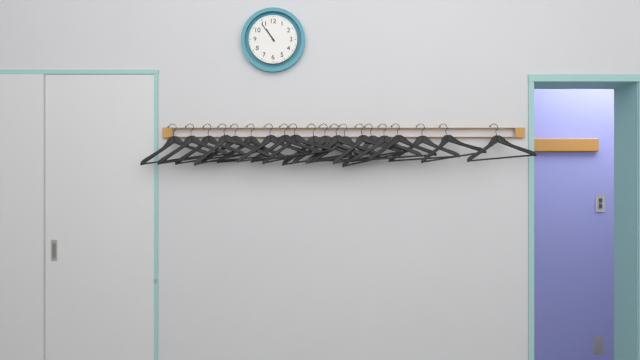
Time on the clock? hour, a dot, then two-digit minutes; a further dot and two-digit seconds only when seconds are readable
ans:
10.54
